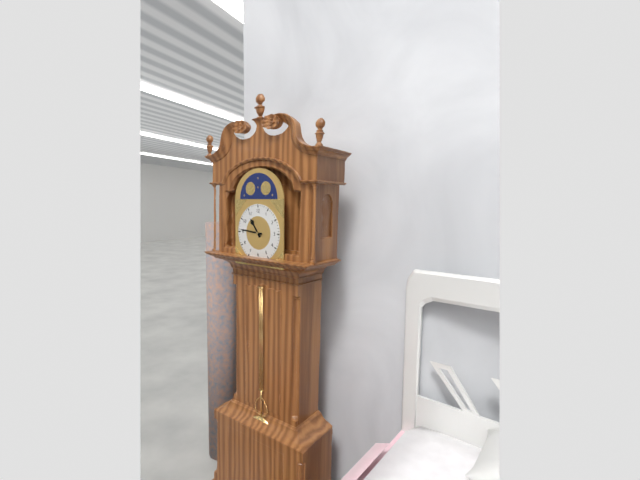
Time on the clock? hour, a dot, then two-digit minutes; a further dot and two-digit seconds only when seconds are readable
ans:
10.46
